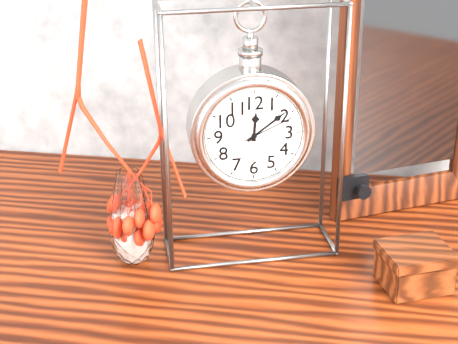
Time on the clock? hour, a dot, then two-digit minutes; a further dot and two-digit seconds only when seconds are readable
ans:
12.09.11
